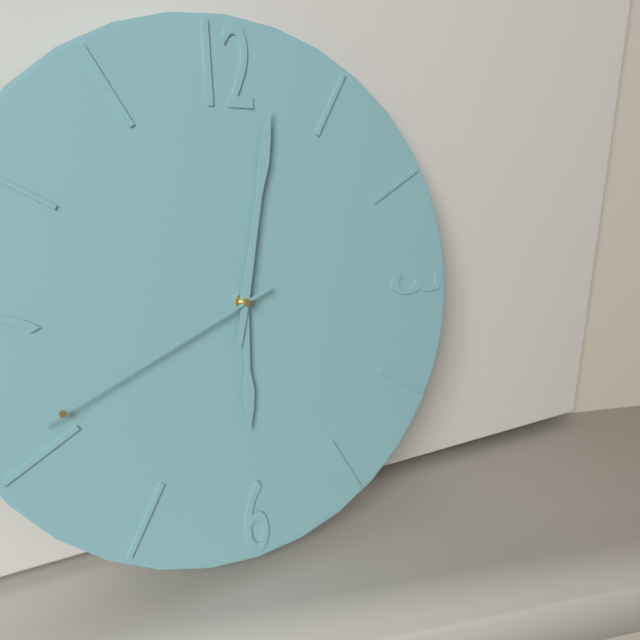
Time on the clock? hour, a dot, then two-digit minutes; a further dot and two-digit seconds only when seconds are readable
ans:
6.02.41
